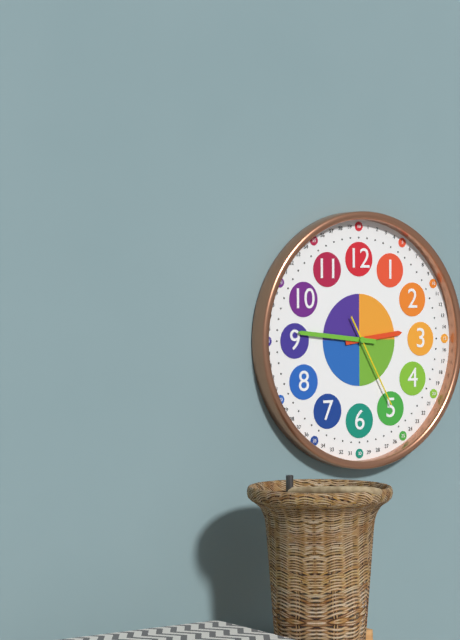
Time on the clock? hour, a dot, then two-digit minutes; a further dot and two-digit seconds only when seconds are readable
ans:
2.46.25
